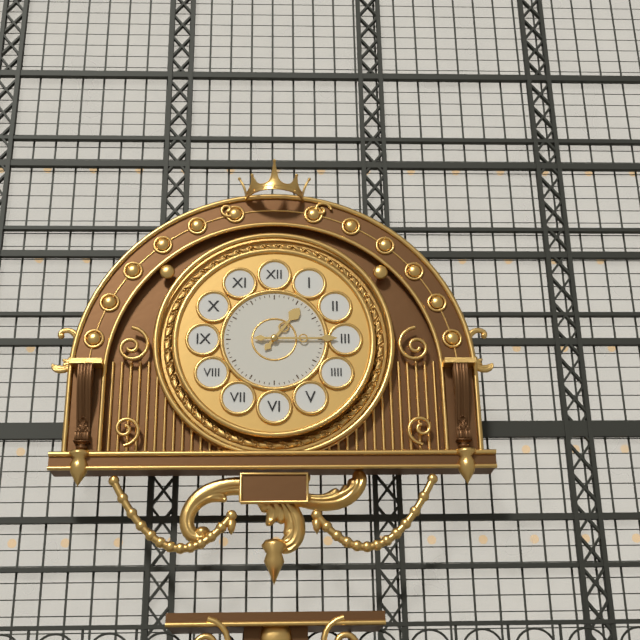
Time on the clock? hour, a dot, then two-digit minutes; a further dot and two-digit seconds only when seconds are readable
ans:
1.15
